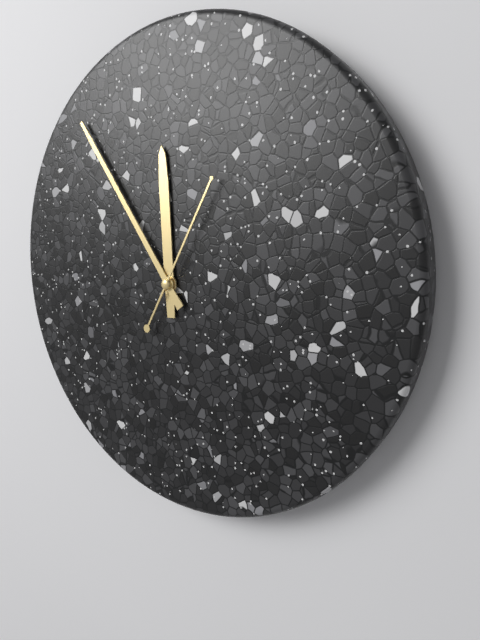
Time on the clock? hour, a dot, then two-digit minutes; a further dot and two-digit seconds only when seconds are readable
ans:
11.54.05
